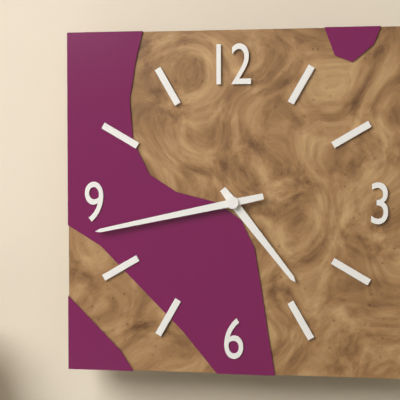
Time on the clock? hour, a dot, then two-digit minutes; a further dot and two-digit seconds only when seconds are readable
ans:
4.43
